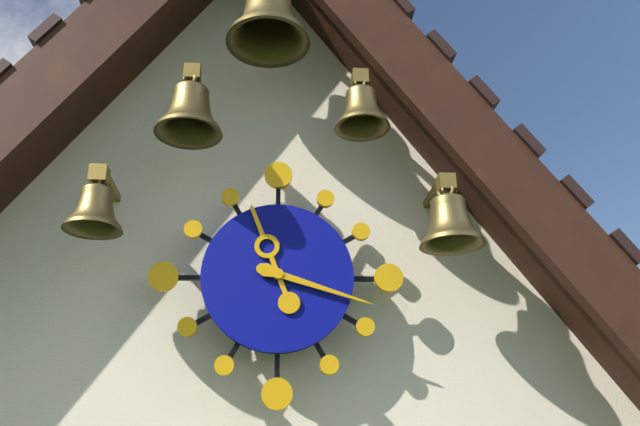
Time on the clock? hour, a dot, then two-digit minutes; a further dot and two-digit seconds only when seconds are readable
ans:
11.18
